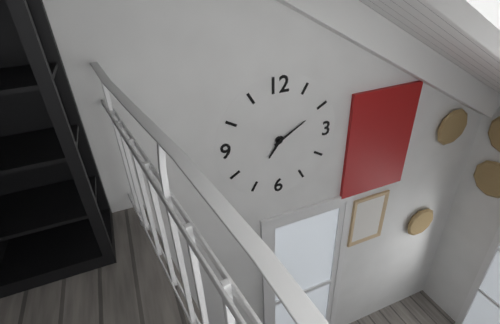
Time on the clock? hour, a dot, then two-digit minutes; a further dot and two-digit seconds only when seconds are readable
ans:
7.10
